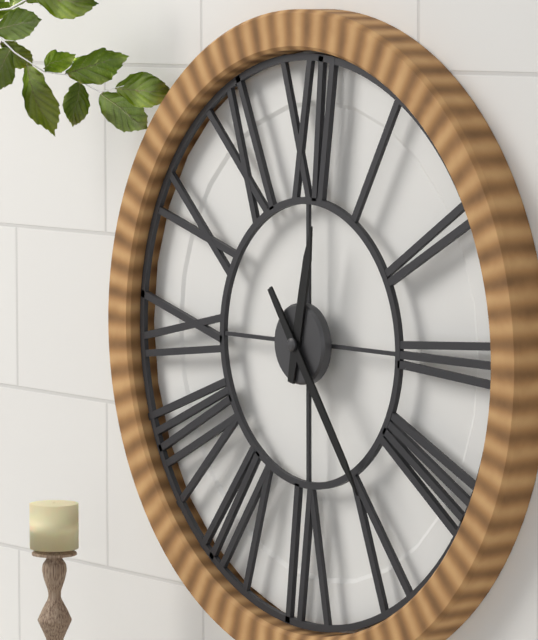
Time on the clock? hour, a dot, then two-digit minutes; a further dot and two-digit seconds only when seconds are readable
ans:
12.24
